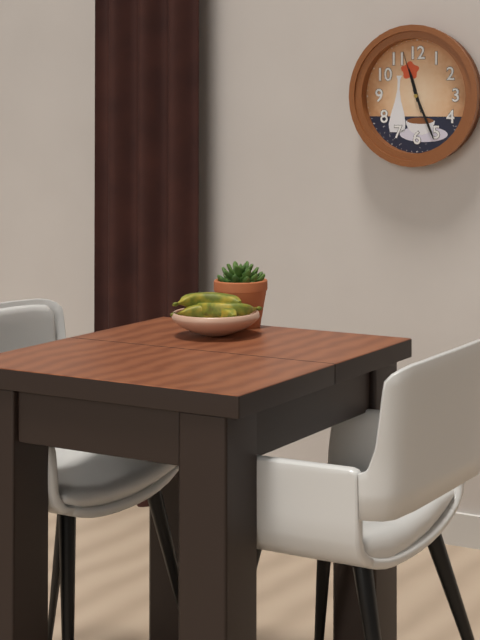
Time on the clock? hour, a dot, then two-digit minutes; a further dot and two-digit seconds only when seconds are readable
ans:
11.26.57
